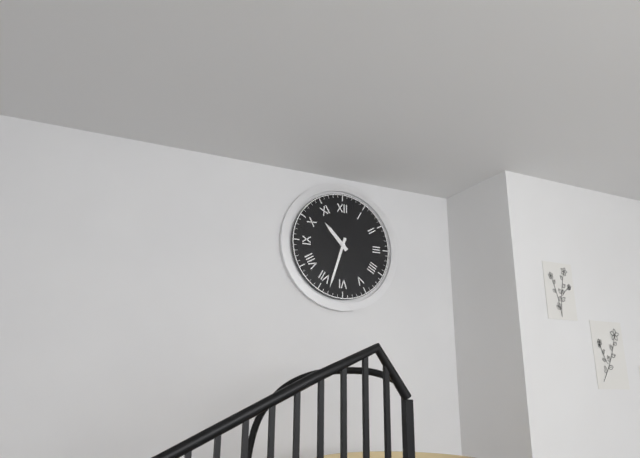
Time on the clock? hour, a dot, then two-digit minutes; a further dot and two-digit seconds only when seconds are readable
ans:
10.33
